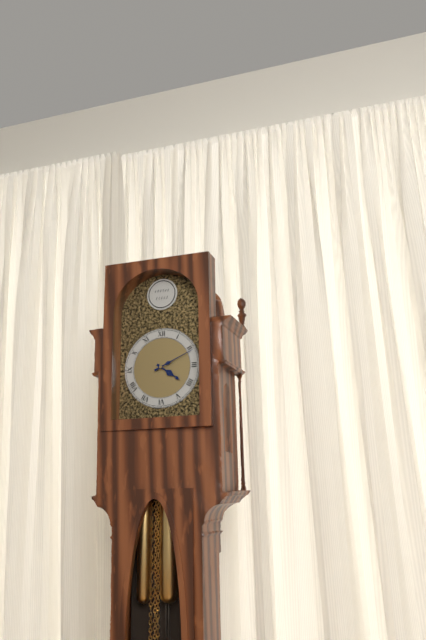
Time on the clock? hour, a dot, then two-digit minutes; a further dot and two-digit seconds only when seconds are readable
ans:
4.11
